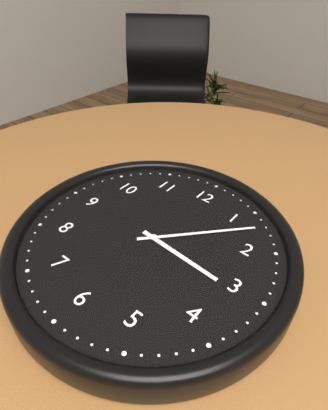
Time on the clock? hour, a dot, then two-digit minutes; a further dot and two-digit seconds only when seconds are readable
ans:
3.07
